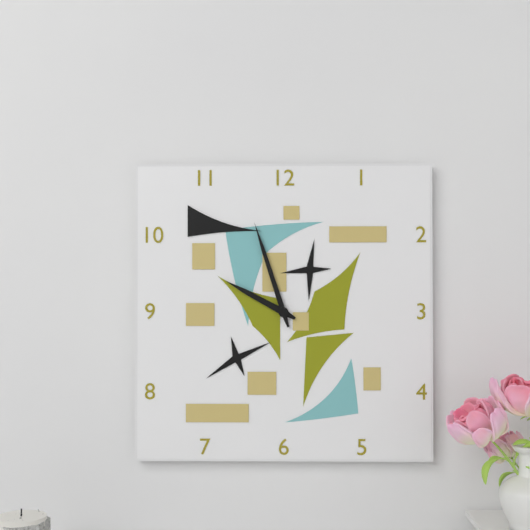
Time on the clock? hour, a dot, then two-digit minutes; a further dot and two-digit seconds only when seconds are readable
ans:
9.57
